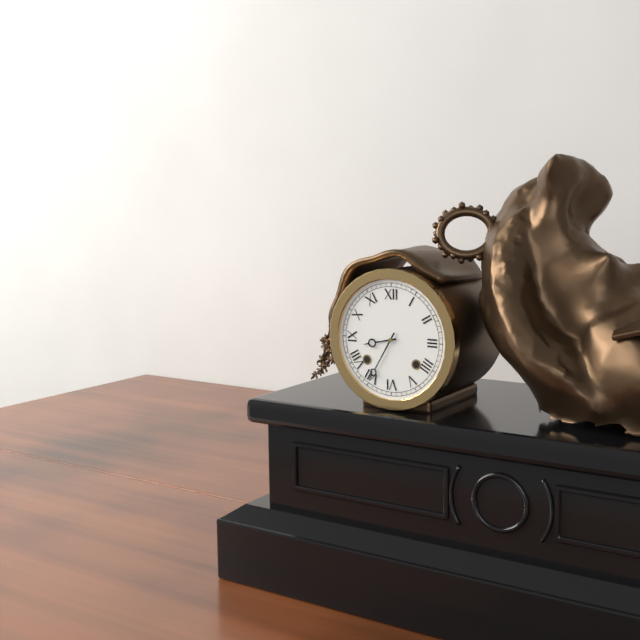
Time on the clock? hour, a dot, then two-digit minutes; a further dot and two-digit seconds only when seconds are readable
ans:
8.35
